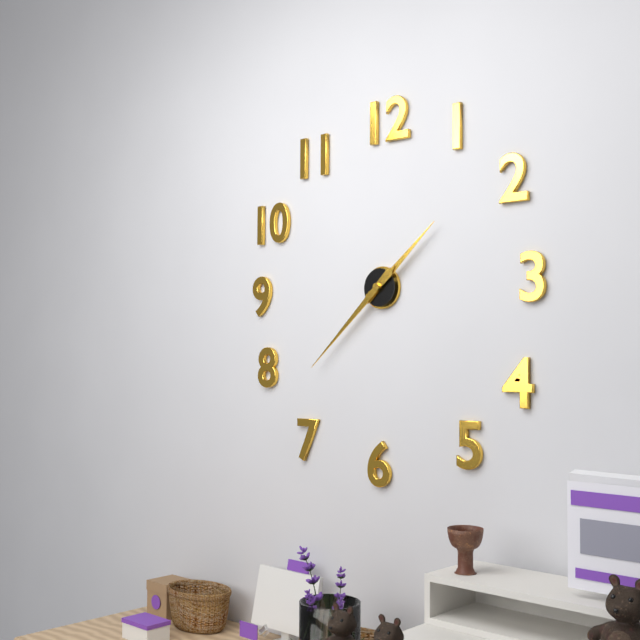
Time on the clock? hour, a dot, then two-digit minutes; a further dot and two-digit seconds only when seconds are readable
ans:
1.38
